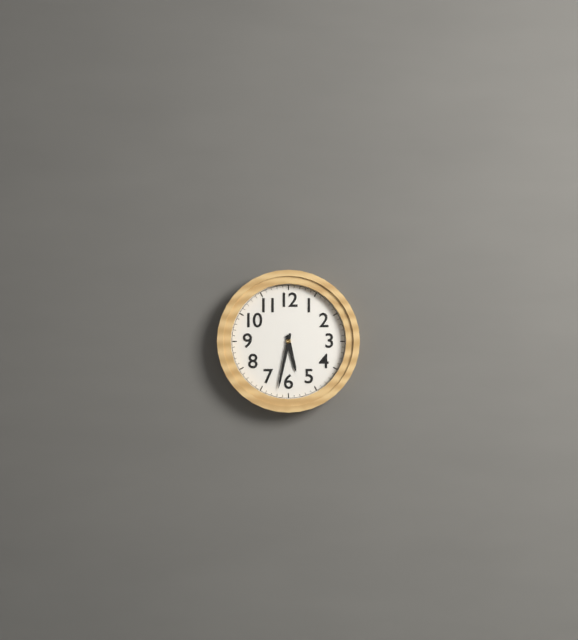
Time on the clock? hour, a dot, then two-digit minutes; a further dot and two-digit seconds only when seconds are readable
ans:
5.32
